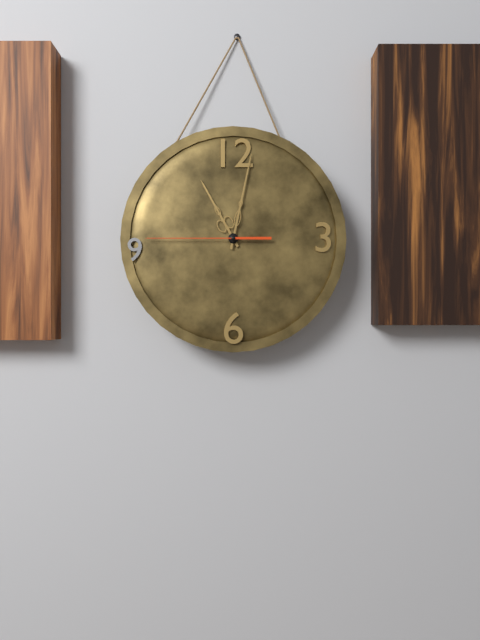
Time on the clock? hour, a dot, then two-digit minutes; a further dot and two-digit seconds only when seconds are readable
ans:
11.02.45
